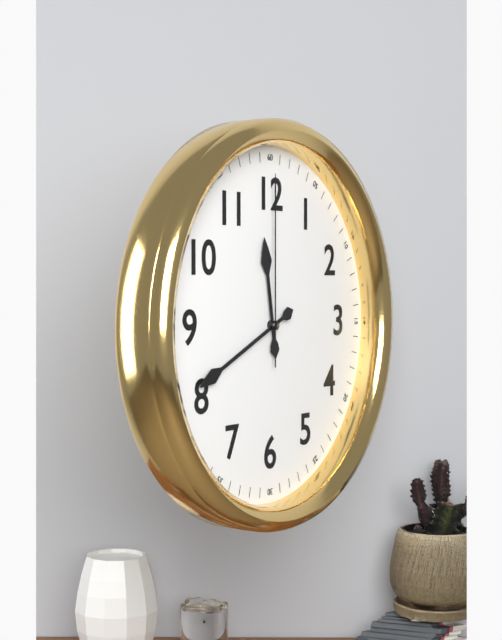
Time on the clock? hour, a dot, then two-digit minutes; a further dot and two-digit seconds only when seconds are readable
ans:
11.41.00
